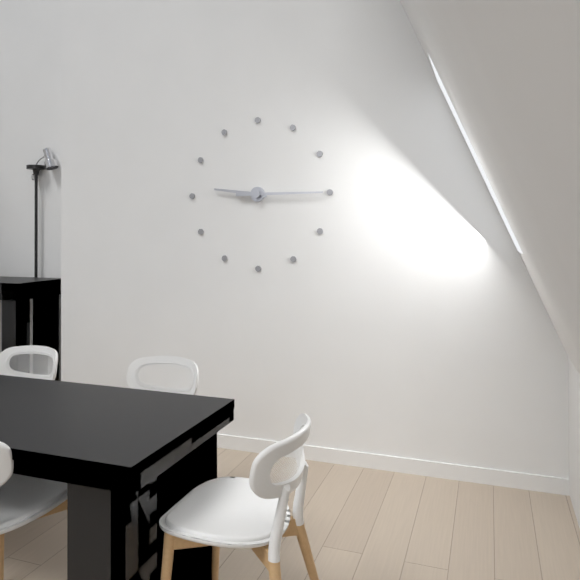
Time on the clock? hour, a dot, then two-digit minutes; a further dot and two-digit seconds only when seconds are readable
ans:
9.15
